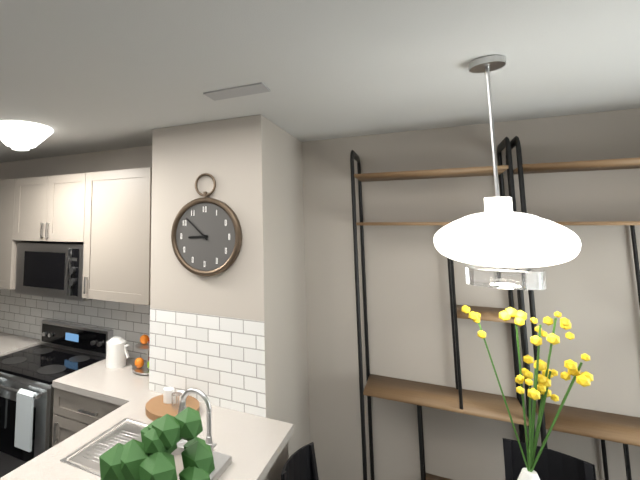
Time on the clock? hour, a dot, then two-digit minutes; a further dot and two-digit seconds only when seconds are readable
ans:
8.52
